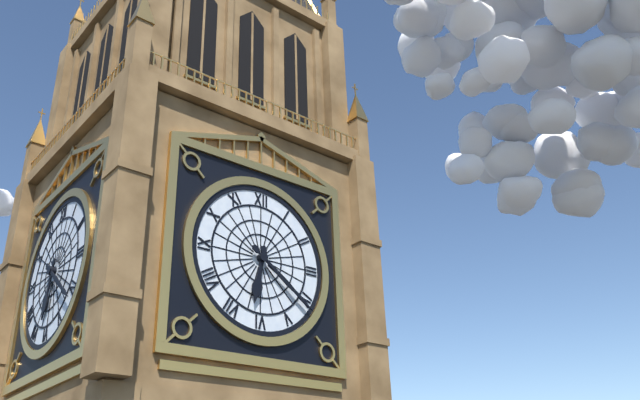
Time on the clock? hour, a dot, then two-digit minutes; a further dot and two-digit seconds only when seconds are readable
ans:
6.21
